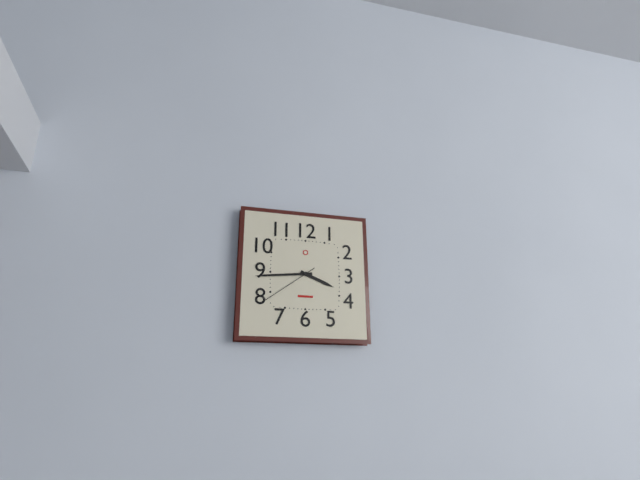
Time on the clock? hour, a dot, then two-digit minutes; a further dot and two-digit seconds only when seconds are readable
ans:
3.44.39
